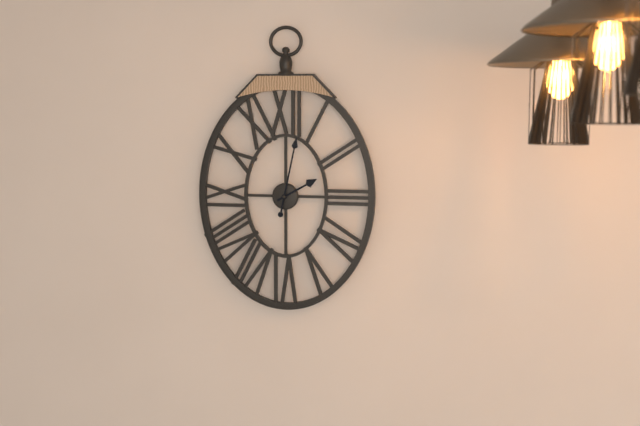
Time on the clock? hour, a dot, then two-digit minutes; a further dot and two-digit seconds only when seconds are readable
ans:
2.02
